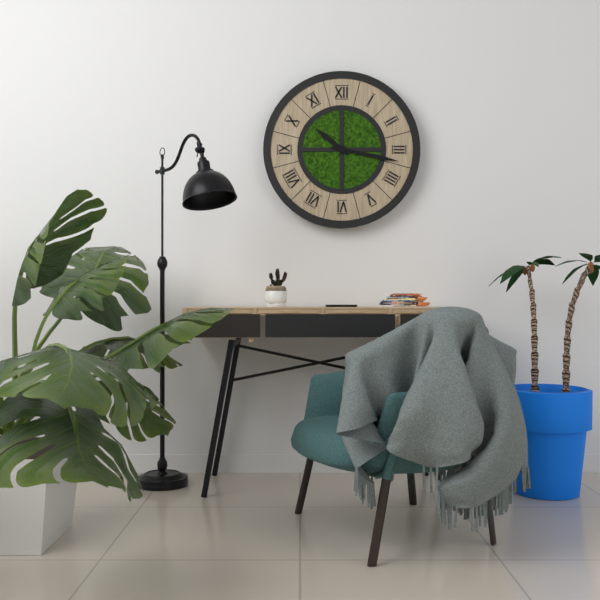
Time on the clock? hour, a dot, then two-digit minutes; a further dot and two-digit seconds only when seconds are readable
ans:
10.17
